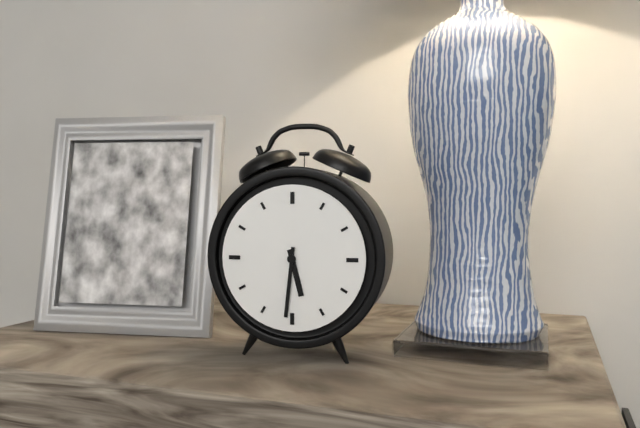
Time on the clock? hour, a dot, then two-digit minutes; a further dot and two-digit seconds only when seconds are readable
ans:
5.31
